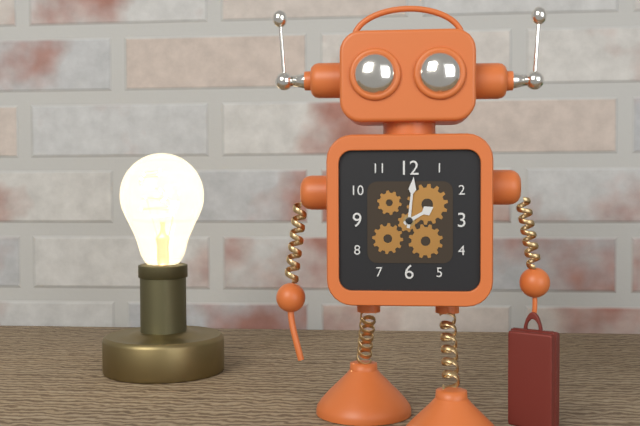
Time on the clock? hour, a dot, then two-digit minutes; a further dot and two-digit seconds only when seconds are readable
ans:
2.01
